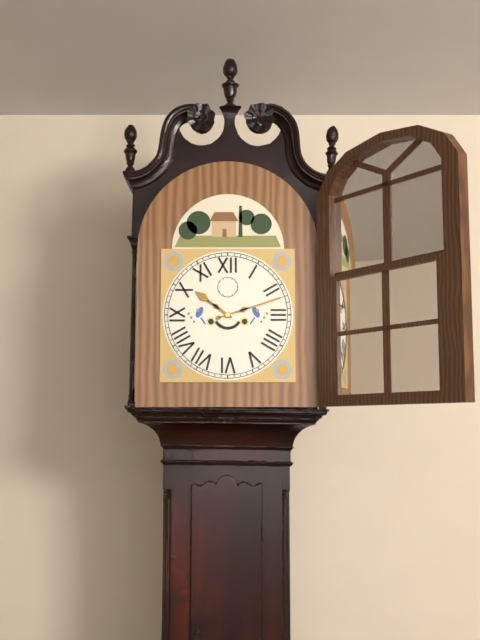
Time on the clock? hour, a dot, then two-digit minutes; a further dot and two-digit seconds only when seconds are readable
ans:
10.12
